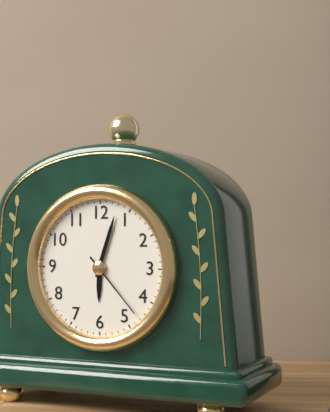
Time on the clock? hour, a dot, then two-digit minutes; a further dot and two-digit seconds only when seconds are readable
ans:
6.03.23
